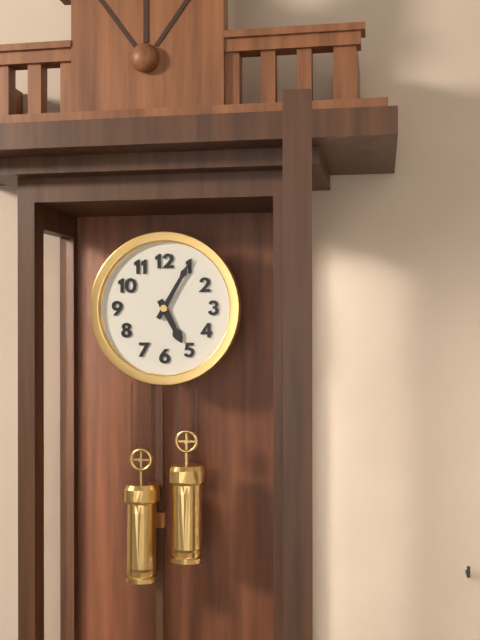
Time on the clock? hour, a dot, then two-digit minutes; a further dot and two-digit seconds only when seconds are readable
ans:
5.05
